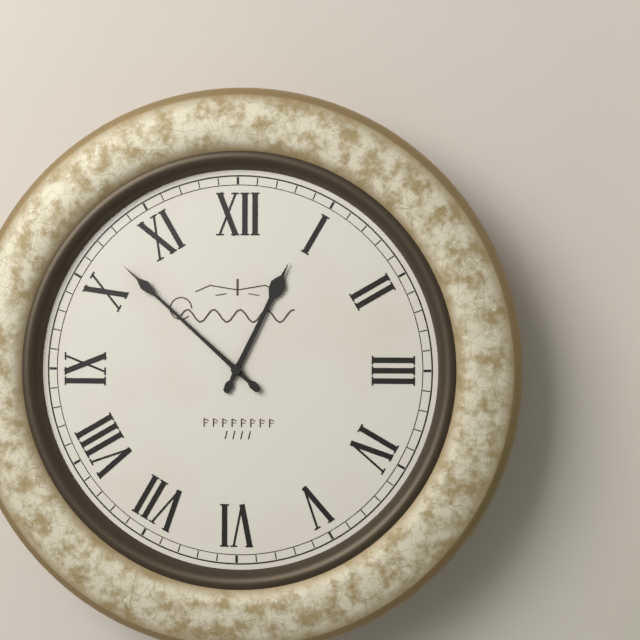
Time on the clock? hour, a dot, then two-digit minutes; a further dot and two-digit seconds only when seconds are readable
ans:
12.52
